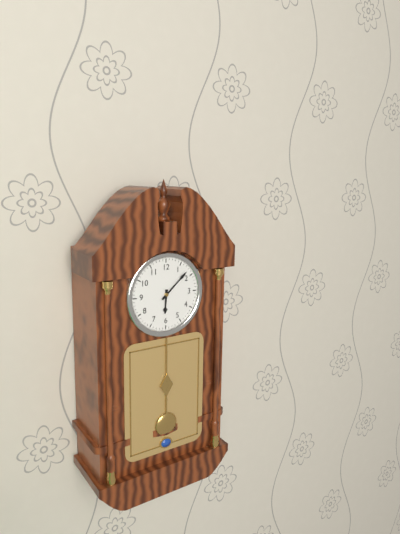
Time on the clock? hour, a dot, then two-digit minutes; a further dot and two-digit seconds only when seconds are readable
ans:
6.08
